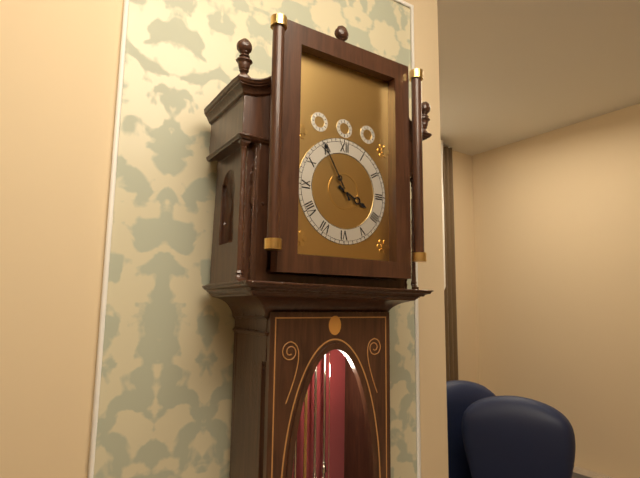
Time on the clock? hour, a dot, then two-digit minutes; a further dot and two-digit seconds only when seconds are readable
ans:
3.55
